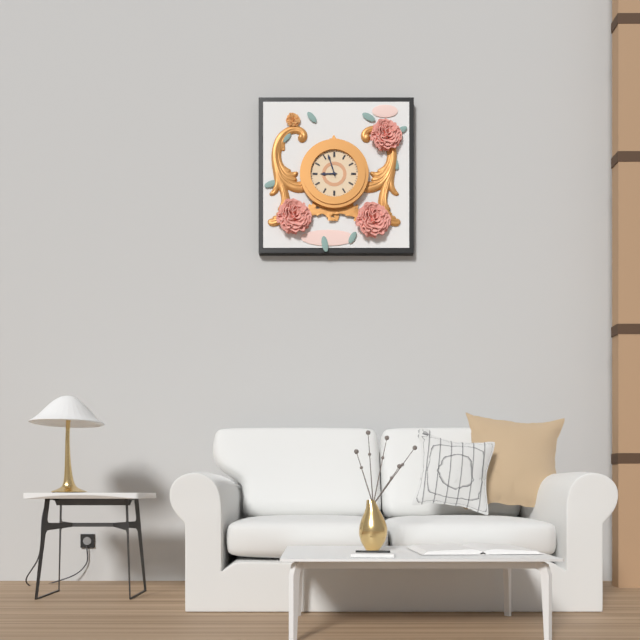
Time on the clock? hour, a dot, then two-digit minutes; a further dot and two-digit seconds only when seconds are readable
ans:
8.57
